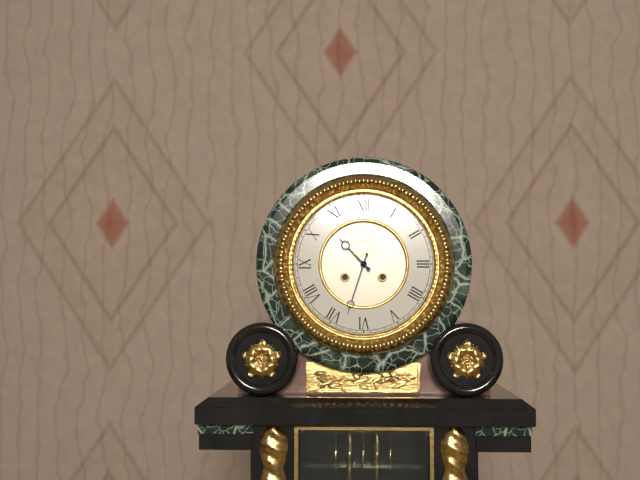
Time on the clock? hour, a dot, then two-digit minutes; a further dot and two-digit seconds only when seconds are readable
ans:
10.33
